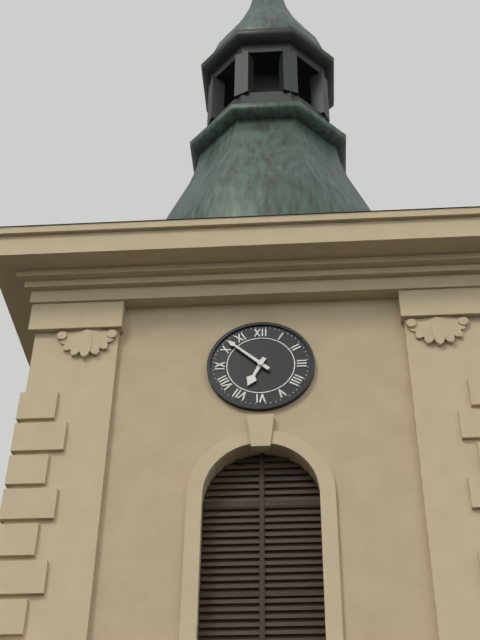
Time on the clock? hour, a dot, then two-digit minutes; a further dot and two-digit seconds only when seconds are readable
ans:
6.52
